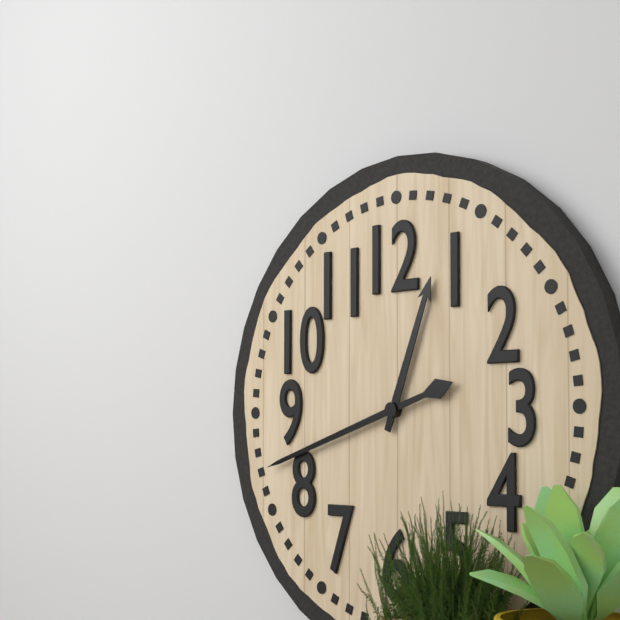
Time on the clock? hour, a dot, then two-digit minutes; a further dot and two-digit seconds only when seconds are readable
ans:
12.42
